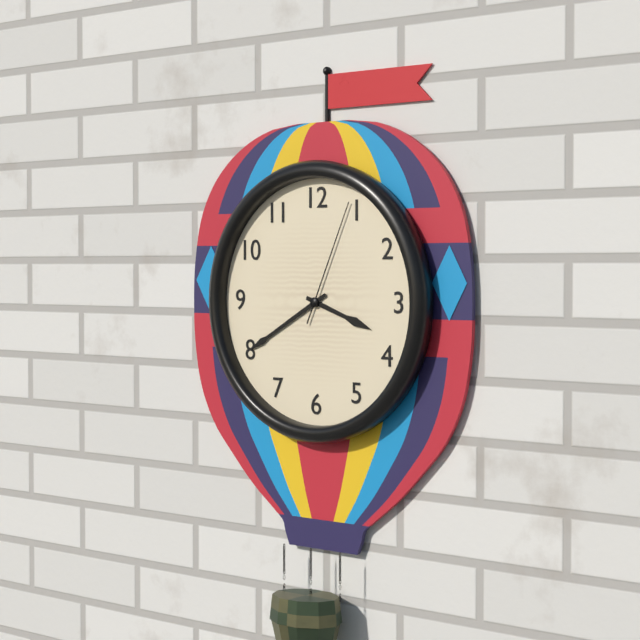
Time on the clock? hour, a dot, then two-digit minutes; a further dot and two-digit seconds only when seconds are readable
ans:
3.40.04
